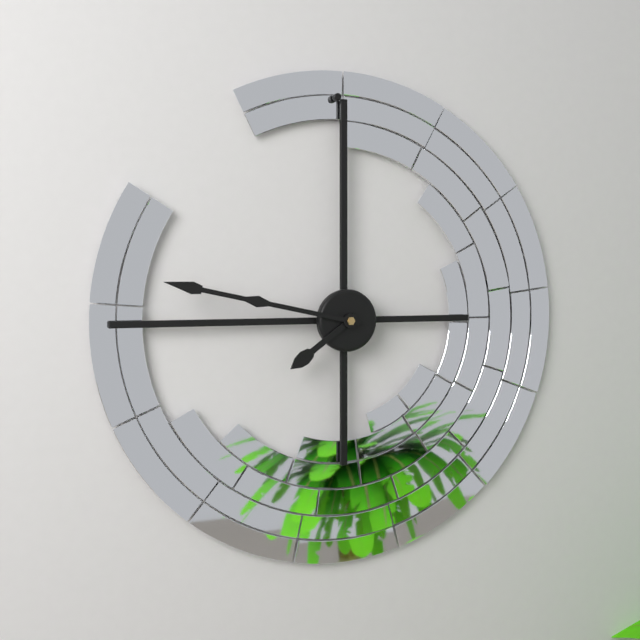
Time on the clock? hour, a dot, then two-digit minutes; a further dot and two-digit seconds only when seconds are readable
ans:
7.47
